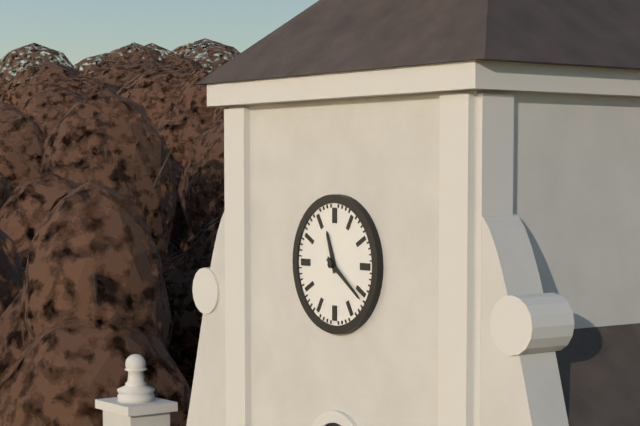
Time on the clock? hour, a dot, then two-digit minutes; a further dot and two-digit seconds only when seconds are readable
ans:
11.21
